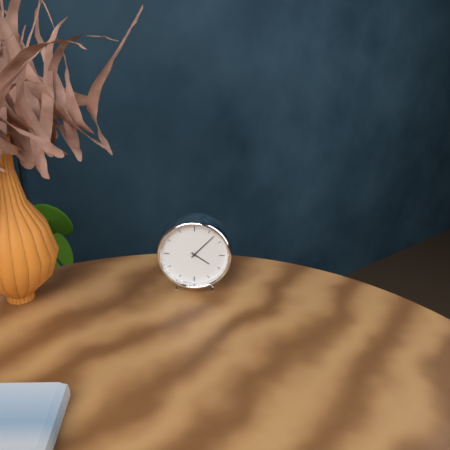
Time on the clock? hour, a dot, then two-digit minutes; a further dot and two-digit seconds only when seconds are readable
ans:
4.07
